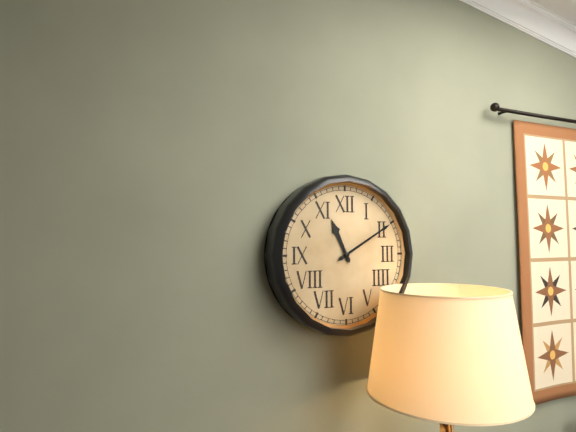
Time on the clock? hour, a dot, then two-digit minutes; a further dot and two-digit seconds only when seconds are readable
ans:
11.10
